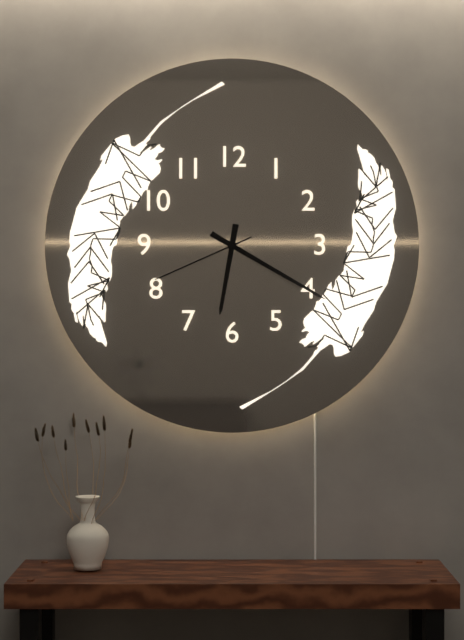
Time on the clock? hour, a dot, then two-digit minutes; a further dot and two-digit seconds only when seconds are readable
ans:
6.20.41
